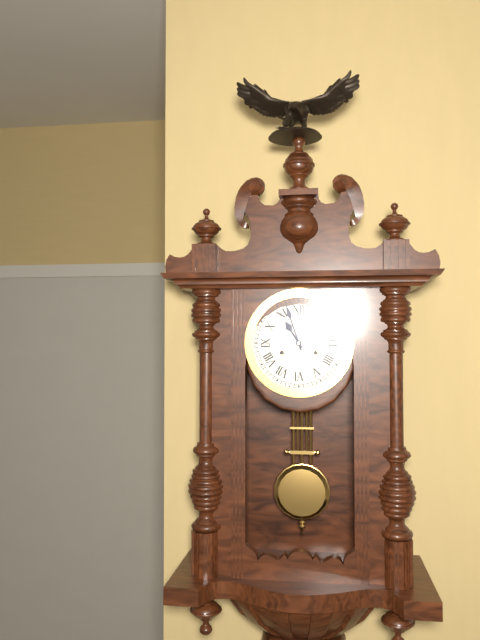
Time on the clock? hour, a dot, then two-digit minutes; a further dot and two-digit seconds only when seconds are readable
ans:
10.57
